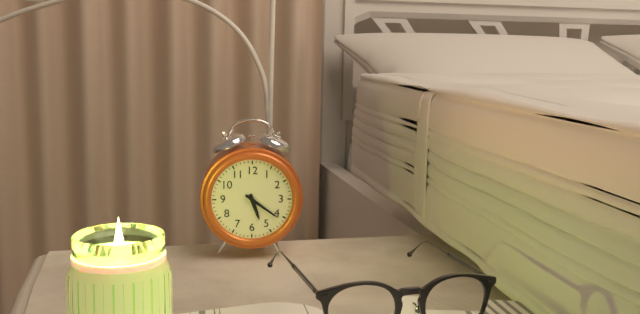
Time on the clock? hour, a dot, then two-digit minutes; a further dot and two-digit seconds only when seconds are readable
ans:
5.21
